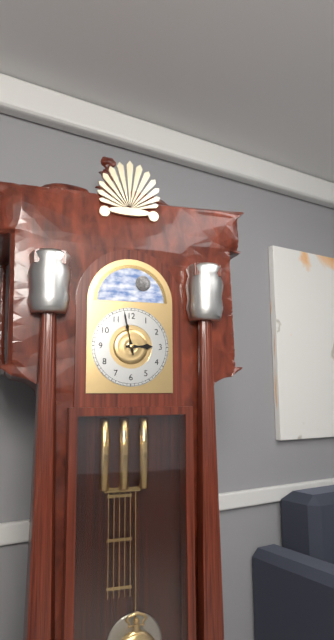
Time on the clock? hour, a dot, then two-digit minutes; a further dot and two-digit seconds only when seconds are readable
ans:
2.58
